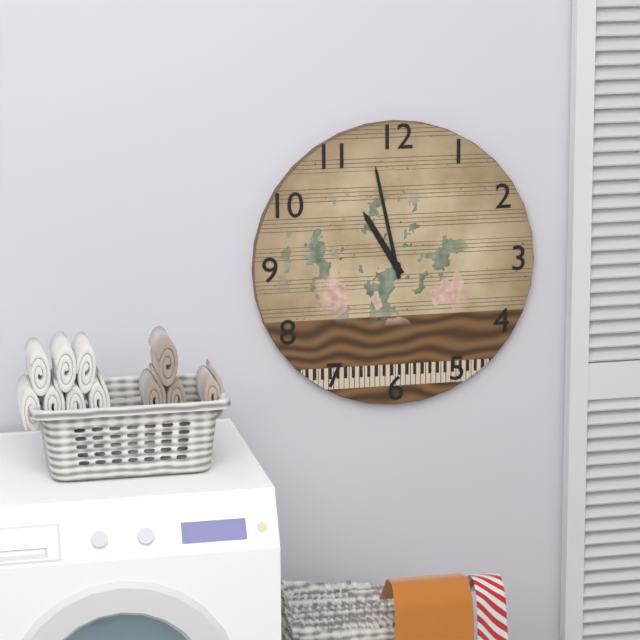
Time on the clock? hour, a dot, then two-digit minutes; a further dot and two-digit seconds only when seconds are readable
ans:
10.58
